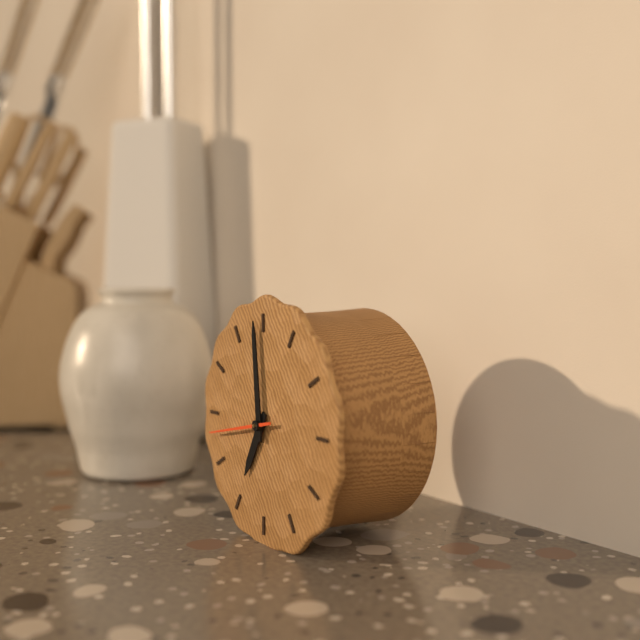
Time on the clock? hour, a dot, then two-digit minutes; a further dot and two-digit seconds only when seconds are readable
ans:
6.59.43
